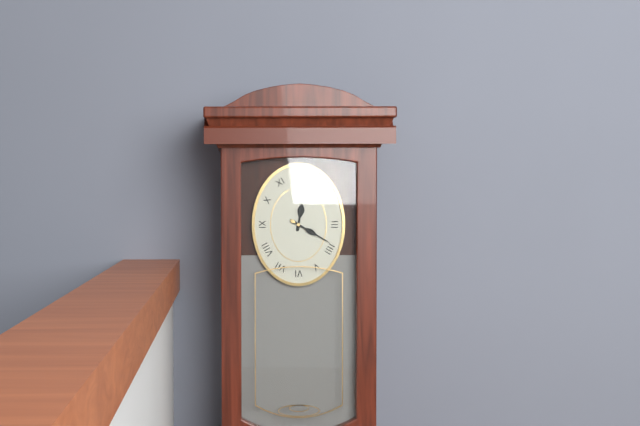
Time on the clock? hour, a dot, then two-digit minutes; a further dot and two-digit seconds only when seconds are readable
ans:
12.20
